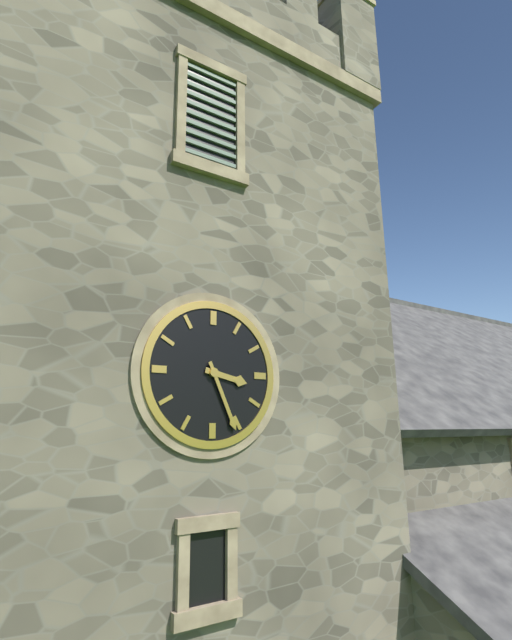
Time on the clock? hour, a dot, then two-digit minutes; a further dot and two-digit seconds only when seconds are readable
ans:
3.26
